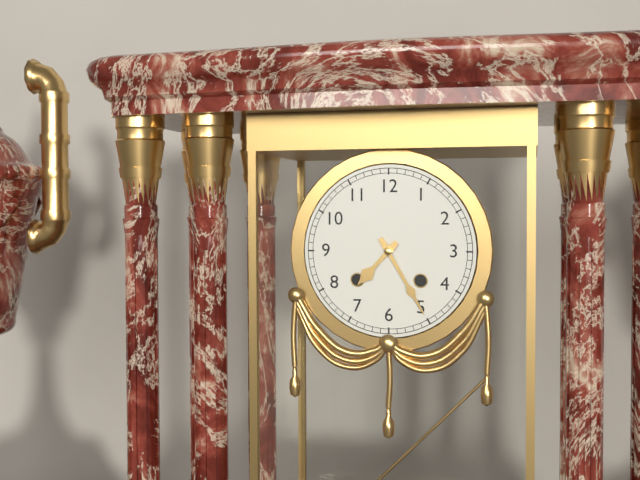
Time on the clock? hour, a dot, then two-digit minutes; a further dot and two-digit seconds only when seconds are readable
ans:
7.25
